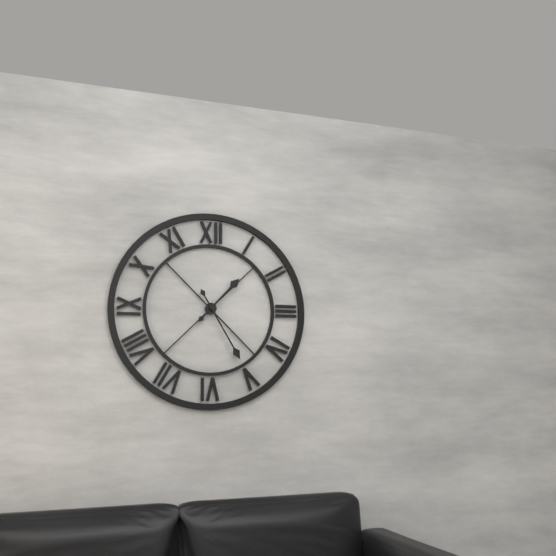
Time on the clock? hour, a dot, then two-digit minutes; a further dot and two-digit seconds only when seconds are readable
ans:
1.25
